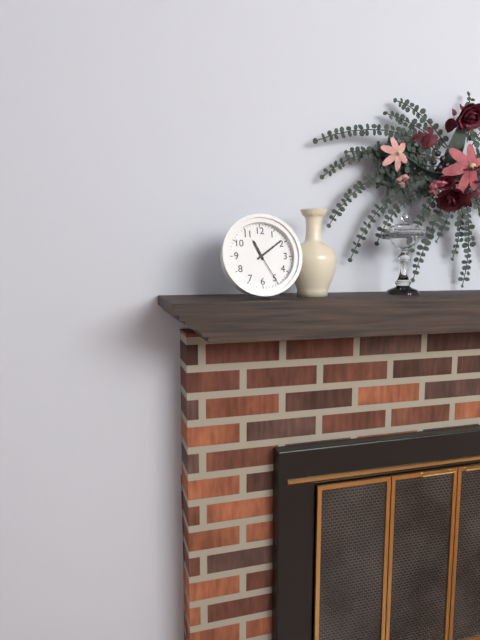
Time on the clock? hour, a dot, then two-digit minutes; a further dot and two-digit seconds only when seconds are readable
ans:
11.09
